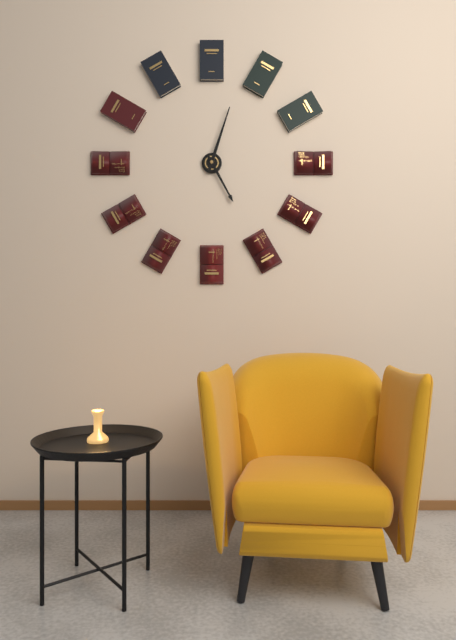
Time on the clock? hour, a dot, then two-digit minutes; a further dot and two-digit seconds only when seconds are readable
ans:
5.03
